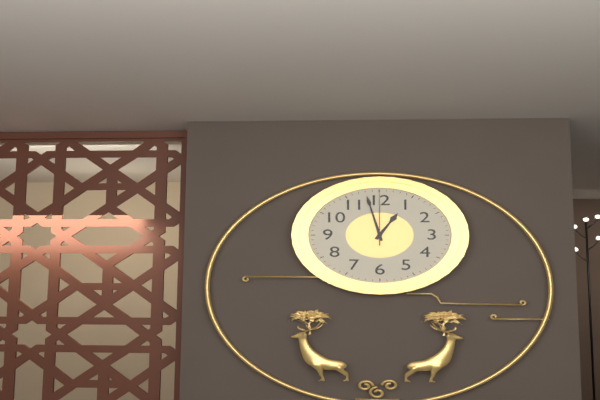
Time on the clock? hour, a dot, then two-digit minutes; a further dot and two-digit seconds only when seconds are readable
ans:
12.58.00
